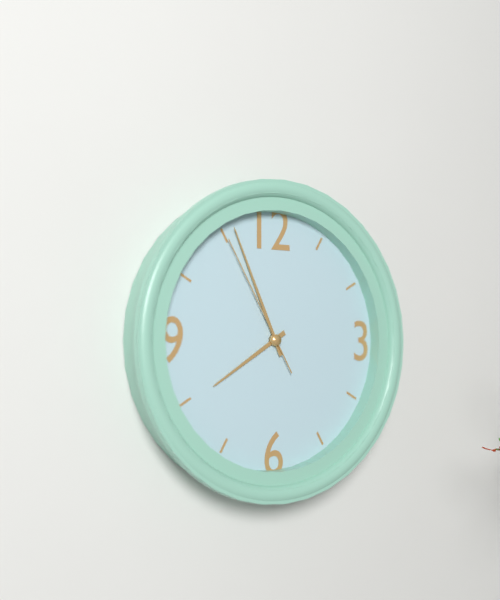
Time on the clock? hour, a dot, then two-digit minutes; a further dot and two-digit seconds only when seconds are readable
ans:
7.56.55
